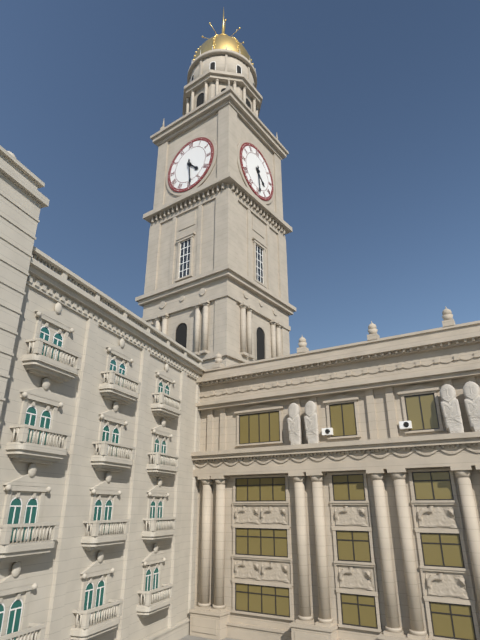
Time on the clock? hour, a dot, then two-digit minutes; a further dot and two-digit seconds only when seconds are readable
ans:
4.29
